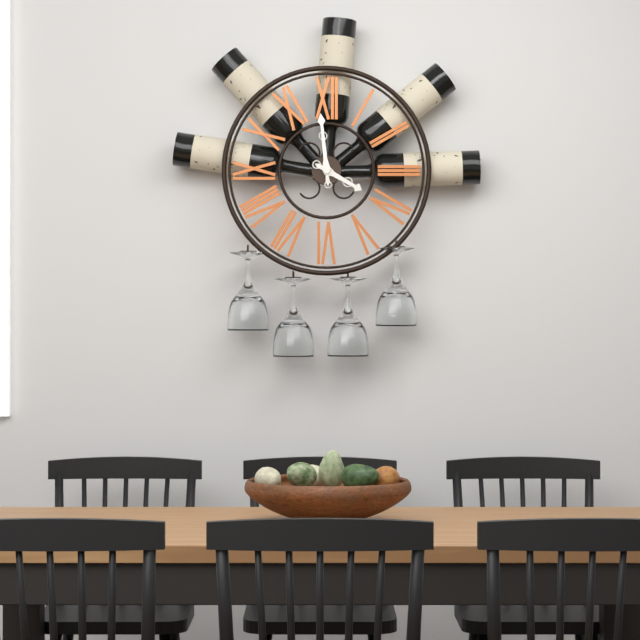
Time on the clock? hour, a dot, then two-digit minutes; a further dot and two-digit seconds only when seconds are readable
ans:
3.59
